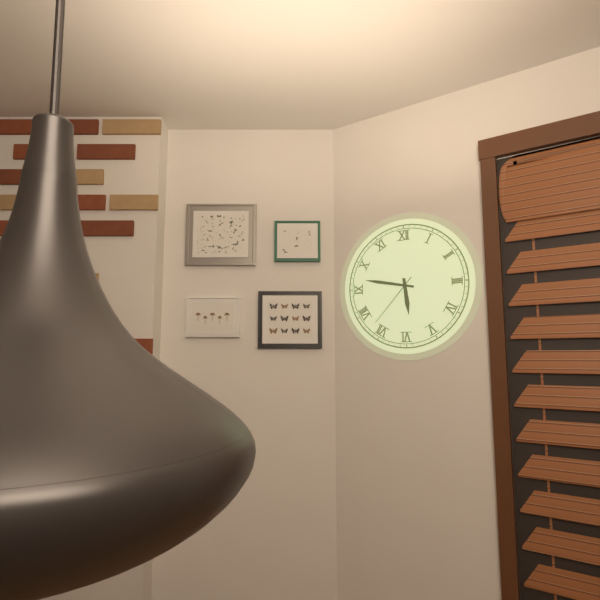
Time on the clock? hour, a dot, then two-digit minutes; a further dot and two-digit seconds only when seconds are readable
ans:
5.47.37
